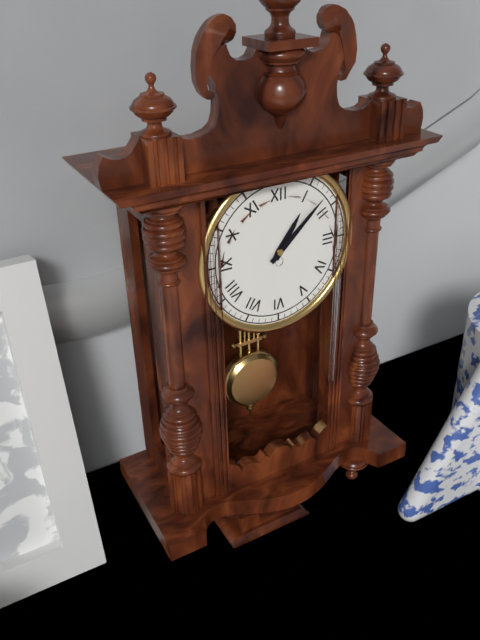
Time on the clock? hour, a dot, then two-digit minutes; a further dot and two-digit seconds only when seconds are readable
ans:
1.08
